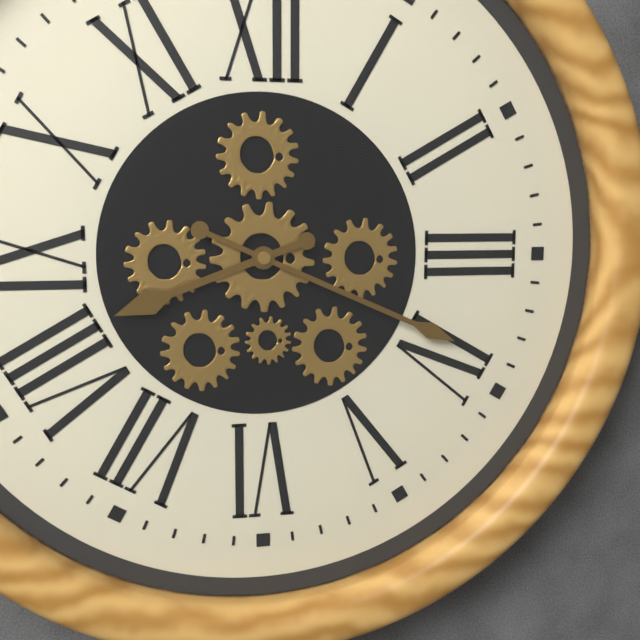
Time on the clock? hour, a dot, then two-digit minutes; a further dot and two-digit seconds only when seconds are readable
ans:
8.19
